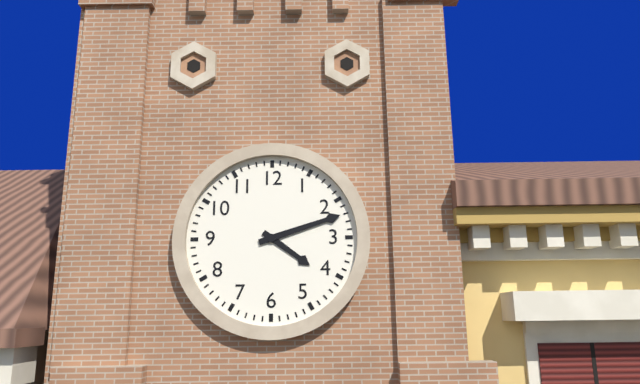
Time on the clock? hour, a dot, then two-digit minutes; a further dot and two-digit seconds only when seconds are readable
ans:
4.12
